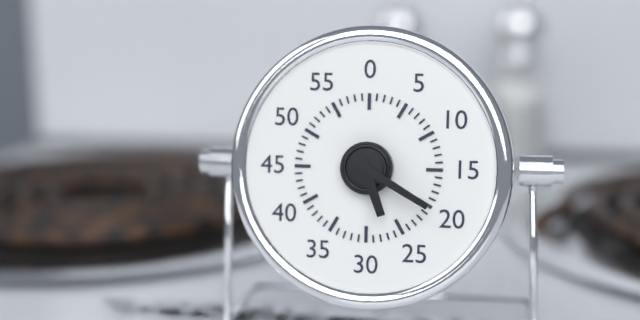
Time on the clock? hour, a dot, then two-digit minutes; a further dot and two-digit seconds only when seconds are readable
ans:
5.20
